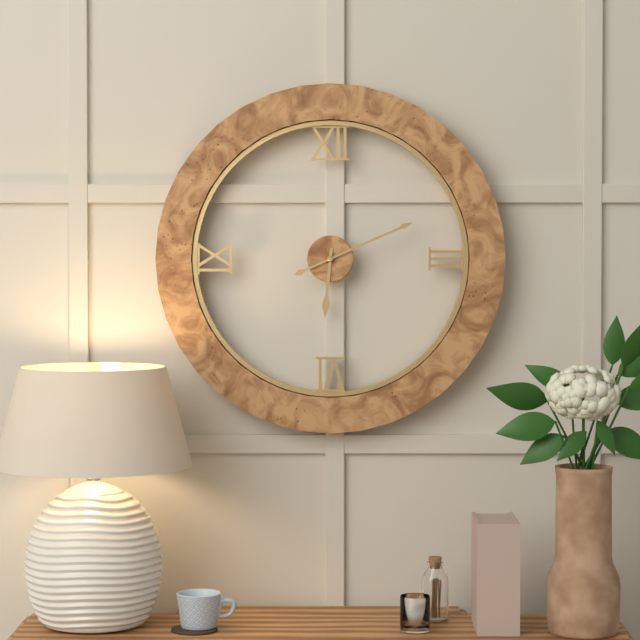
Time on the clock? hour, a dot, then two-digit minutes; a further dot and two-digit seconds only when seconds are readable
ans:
6.11
